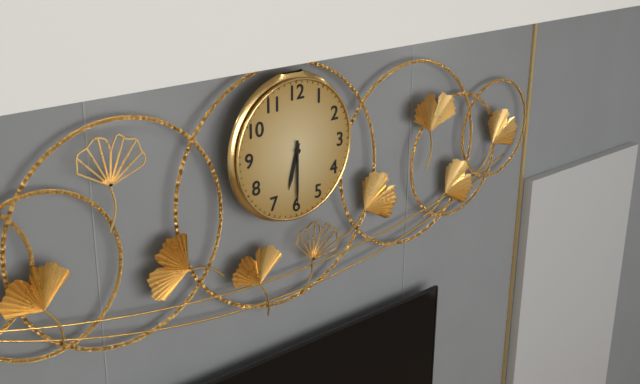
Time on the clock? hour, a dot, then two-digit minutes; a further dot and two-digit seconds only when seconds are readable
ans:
6.30
